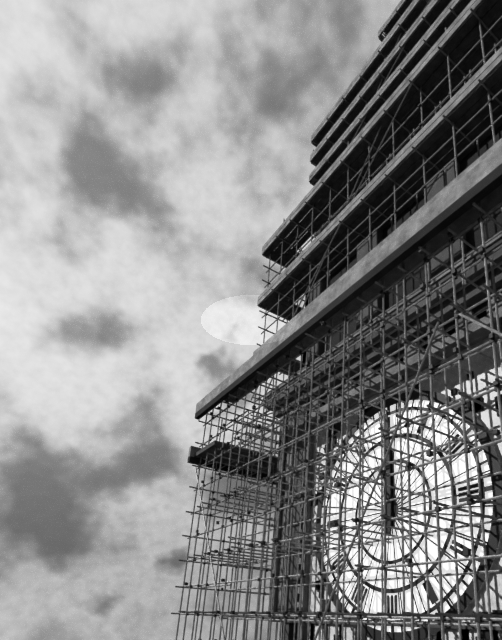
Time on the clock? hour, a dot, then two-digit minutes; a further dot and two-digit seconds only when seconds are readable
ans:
12.00
